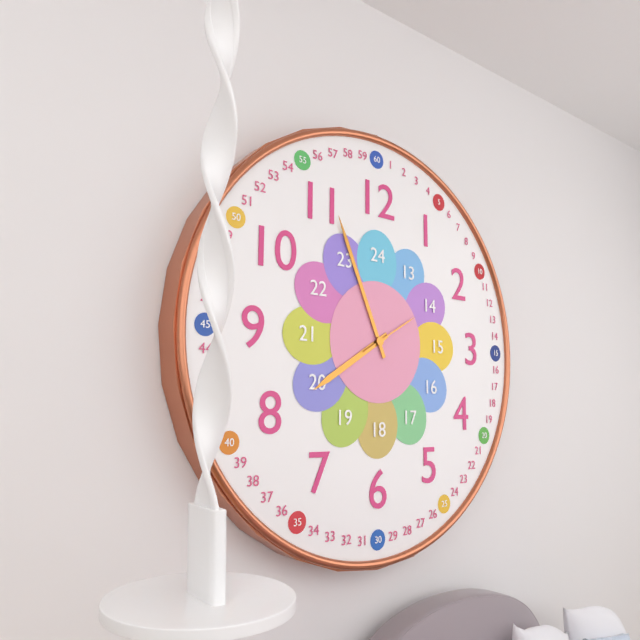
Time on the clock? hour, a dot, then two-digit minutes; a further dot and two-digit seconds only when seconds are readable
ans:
7.56.10
